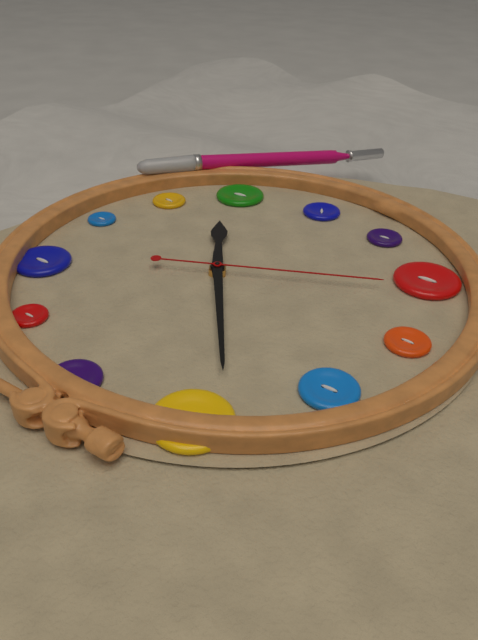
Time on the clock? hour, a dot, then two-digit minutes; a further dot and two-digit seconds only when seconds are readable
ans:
4.54.41
